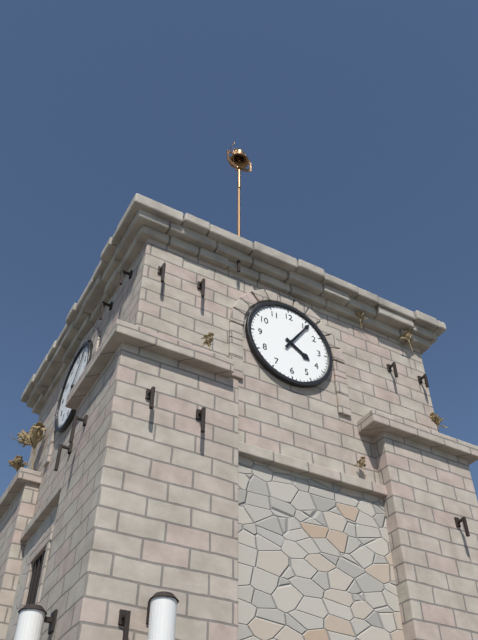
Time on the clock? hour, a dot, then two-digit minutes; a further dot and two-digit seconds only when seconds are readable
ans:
4.06
